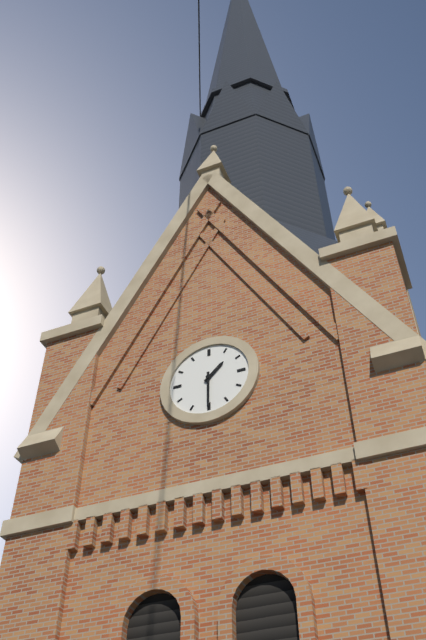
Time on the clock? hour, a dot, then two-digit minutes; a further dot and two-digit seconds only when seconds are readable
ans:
1.30
